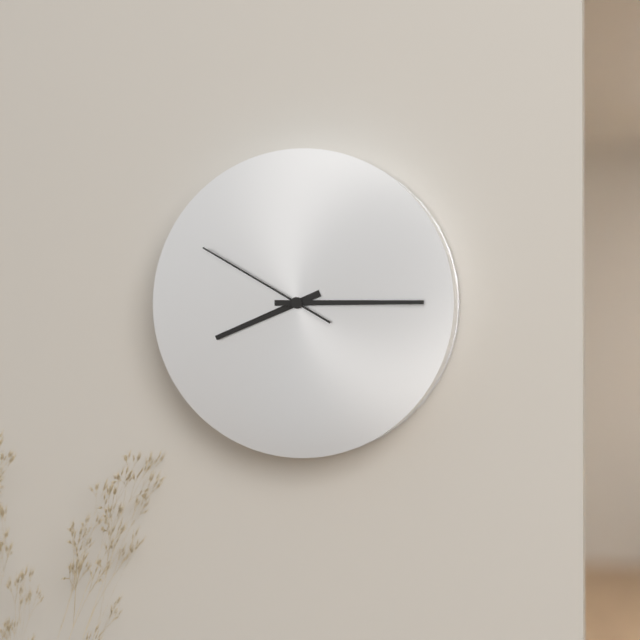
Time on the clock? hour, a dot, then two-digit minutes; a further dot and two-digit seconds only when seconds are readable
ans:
8.15.50
